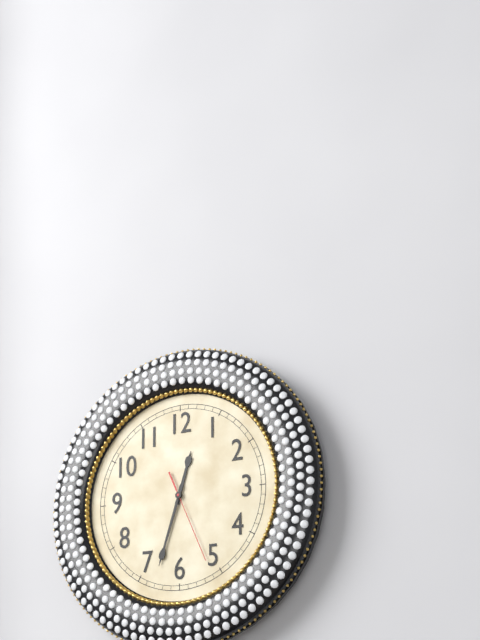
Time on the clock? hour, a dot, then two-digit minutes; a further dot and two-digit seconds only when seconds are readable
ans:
12.33.26
